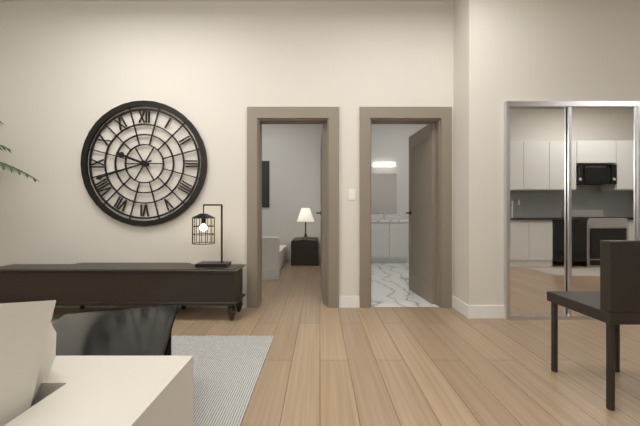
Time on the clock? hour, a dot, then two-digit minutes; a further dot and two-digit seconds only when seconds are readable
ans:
9.42
